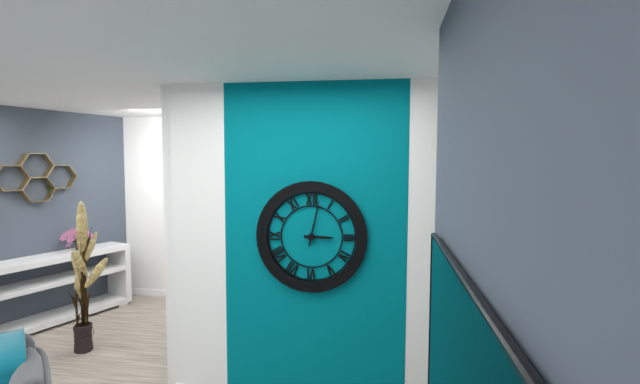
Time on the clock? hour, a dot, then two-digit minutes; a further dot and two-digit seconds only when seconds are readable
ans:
3.02
